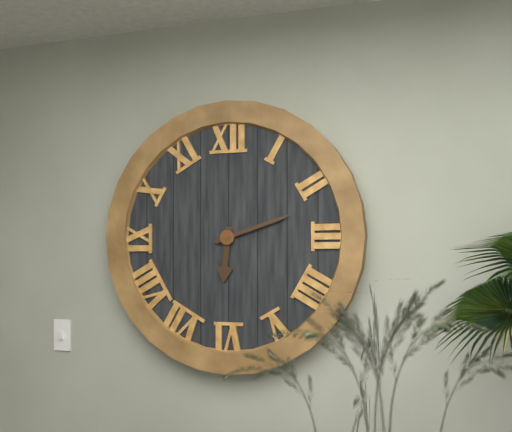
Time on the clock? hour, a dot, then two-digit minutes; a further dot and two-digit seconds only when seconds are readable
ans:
6.12
